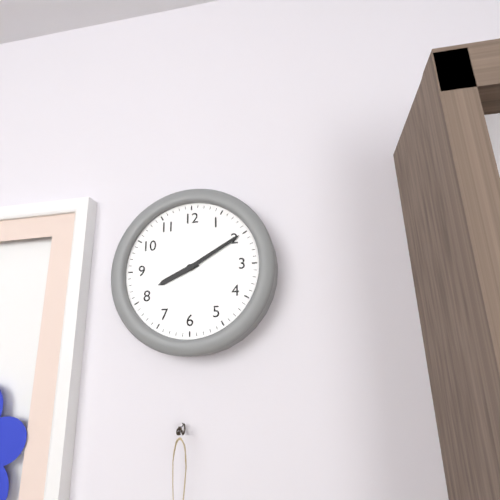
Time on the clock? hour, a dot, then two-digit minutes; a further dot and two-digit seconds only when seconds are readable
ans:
8.10
